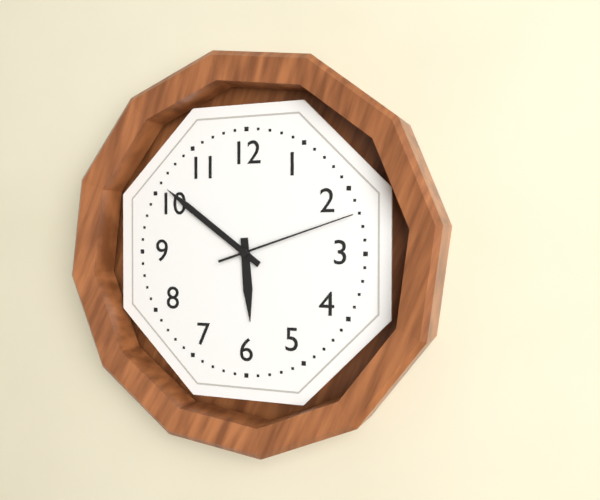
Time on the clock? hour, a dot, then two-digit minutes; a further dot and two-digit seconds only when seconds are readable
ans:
5.51.12
